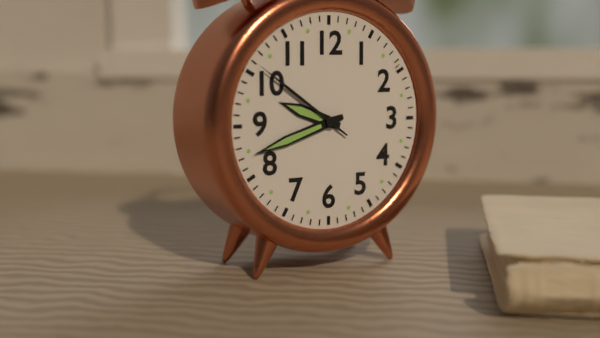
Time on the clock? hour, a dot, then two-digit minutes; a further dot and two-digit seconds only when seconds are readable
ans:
9.42.51
